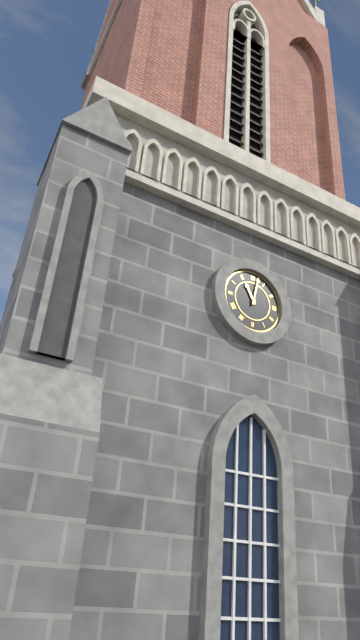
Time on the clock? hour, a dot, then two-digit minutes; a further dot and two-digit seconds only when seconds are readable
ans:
11.02
